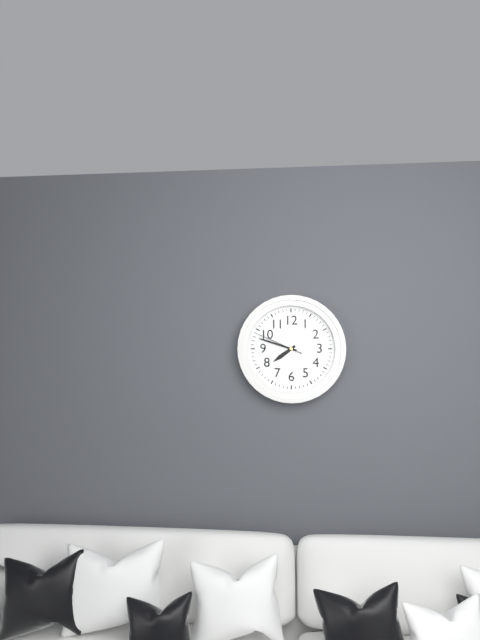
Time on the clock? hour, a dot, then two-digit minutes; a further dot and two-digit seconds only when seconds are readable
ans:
7.48
